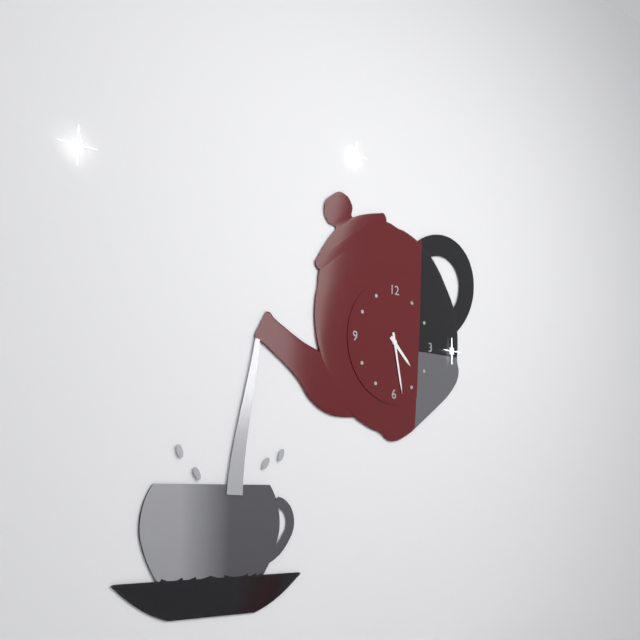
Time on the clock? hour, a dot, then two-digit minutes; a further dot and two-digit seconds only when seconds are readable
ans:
4.28
